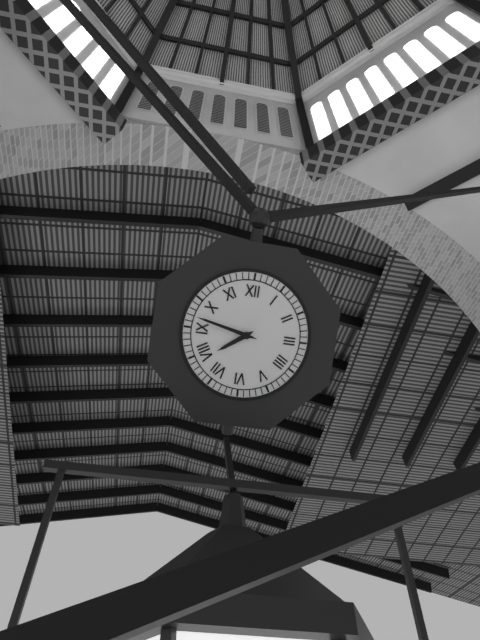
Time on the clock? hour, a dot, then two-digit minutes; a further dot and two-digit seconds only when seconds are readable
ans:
7.47
